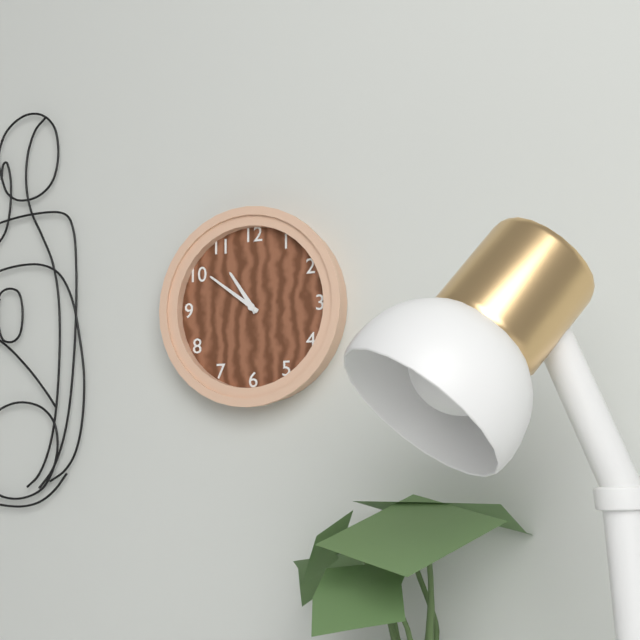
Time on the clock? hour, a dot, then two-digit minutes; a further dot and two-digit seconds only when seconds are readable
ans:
10.51
